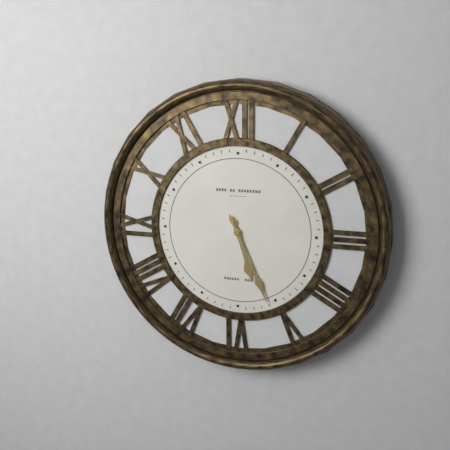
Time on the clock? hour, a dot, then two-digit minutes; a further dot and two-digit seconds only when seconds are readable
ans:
5.26
